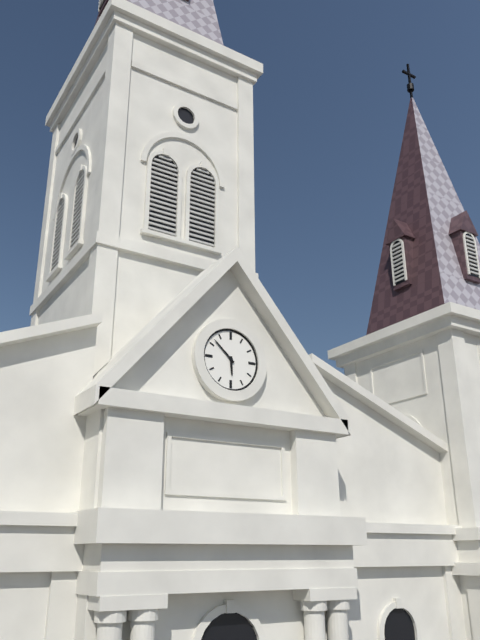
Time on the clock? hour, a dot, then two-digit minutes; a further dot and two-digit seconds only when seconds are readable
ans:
5.52
